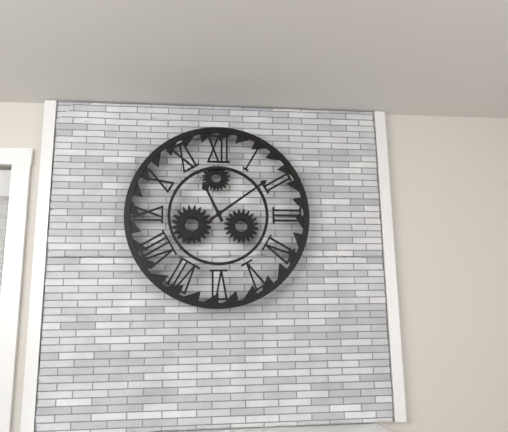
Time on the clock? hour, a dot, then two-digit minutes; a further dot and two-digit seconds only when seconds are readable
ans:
11.09
